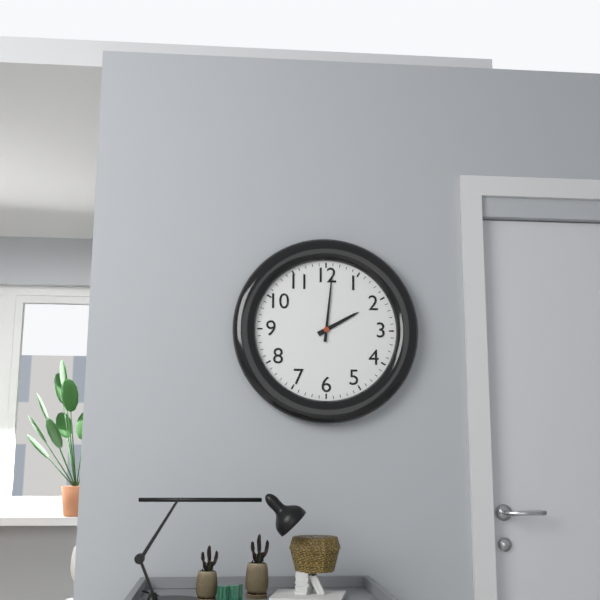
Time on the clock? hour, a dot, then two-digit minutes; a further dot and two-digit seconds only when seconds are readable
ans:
2.01
